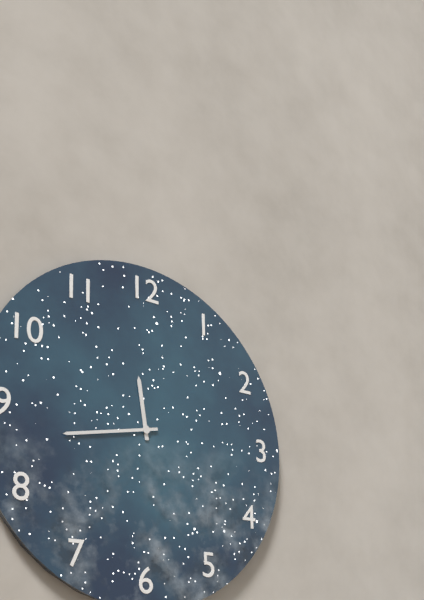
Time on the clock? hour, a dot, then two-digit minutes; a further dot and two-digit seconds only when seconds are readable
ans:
11.43
